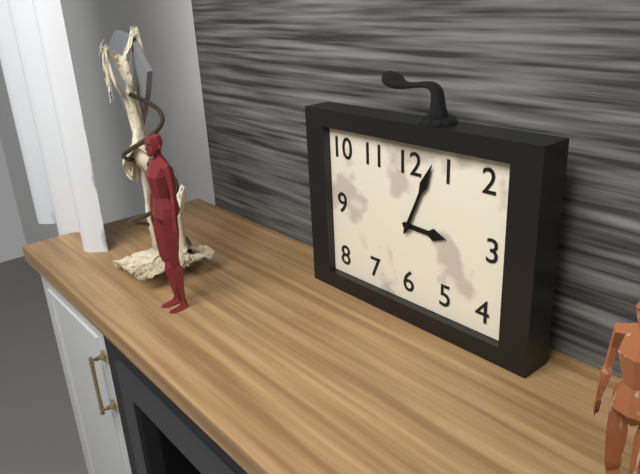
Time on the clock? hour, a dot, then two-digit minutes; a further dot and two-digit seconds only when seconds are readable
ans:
3.04
